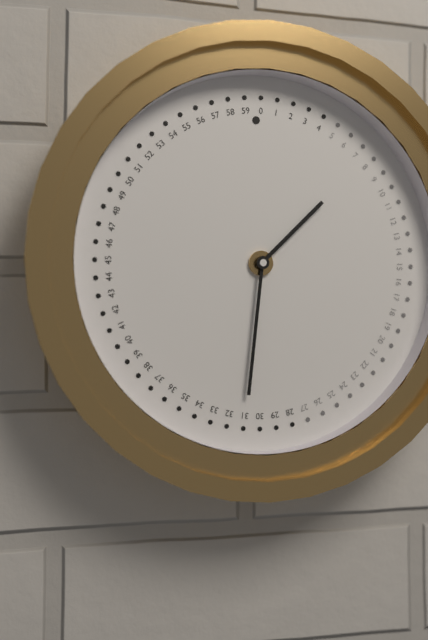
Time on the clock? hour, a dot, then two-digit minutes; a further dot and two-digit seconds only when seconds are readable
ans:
1.31
